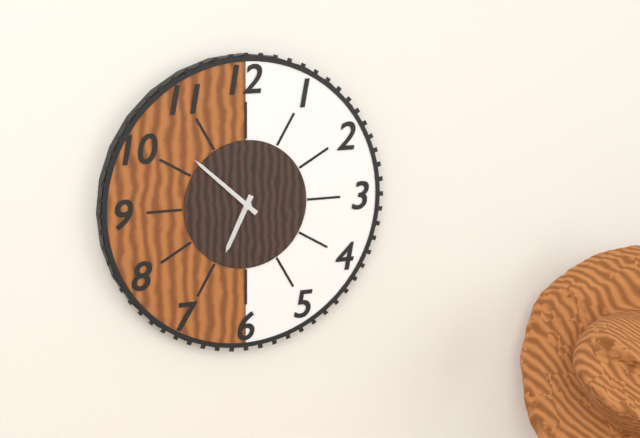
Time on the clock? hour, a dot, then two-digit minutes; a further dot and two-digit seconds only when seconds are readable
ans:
6.52
